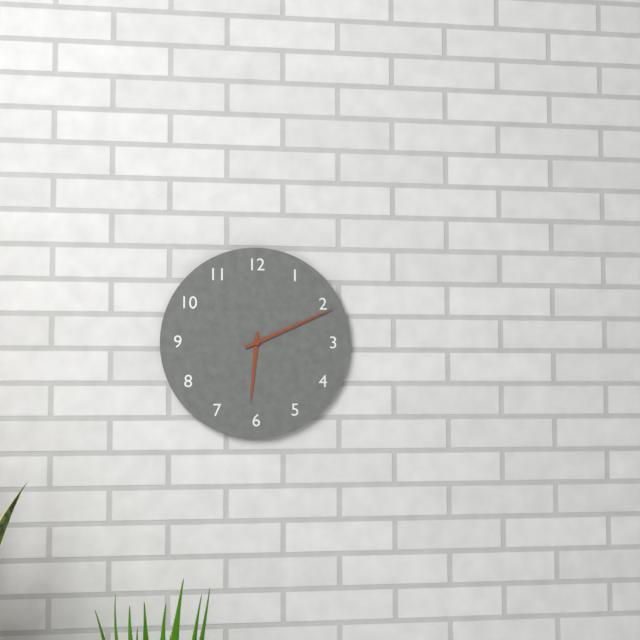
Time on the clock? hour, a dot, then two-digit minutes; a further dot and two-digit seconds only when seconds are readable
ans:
6.11
